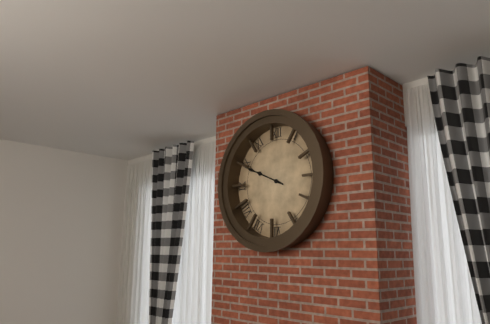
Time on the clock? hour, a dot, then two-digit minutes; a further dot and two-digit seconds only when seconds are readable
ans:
9.49
